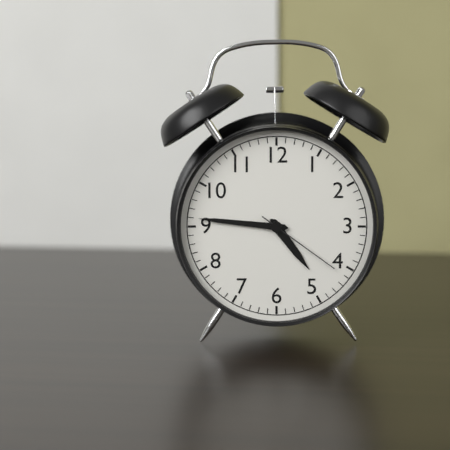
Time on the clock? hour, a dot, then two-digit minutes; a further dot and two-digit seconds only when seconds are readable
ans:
4.46.21
